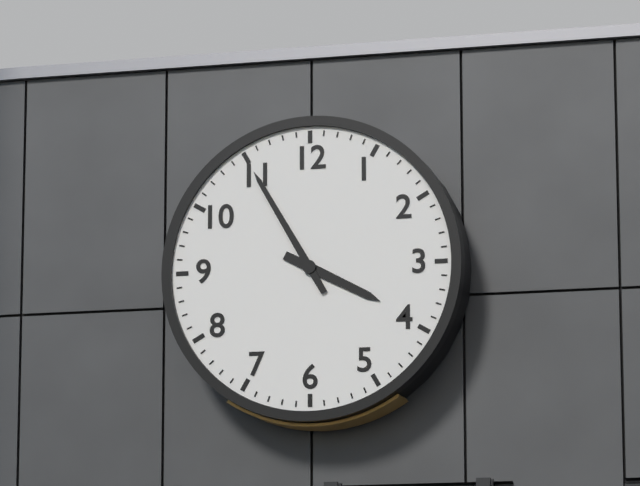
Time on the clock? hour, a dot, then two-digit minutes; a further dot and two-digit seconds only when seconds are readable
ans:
3.55
